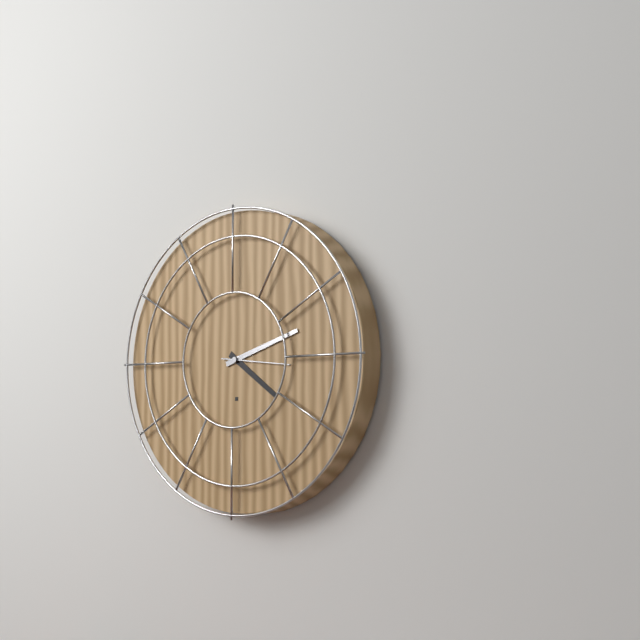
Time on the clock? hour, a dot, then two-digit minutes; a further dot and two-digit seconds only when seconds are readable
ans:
4.12.16
